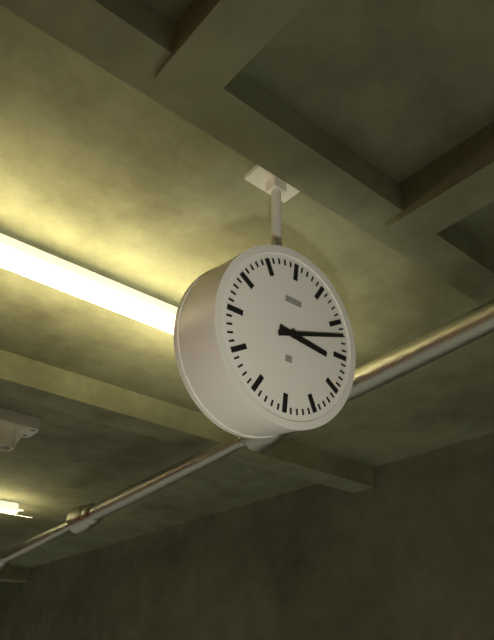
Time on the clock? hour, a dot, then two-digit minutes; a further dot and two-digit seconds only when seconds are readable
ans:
3.12
